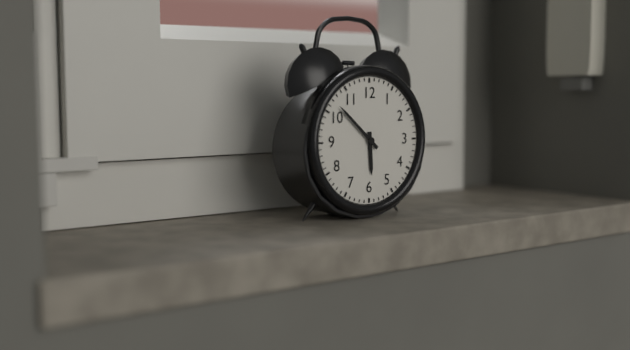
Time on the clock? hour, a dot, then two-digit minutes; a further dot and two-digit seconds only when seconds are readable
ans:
5.52
